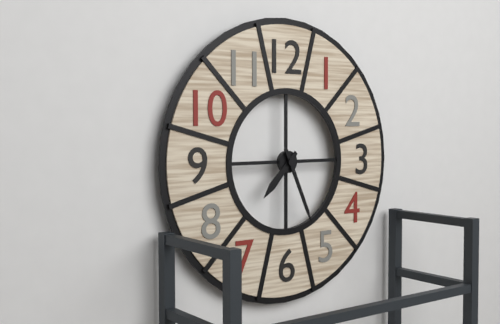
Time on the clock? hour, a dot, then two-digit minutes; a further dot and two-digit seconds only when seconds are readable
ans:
7.26
